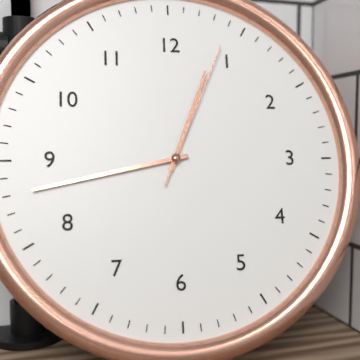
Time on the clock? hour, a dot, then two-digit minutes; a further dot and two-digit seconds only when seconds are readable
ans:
12.43.04
